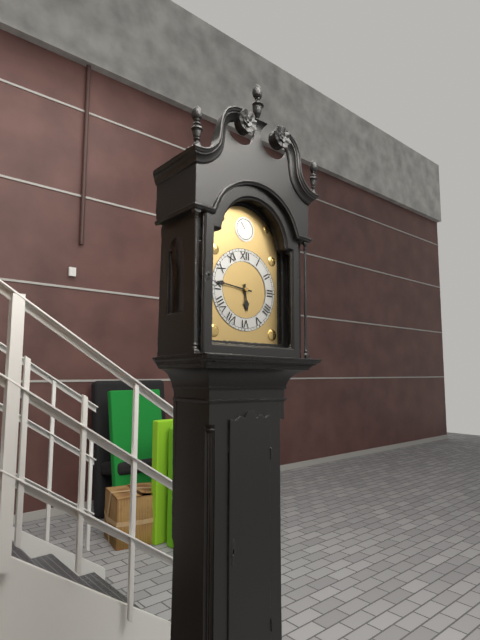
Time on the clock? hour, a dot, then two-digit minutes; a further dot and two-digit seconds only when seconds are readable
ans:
5.46
